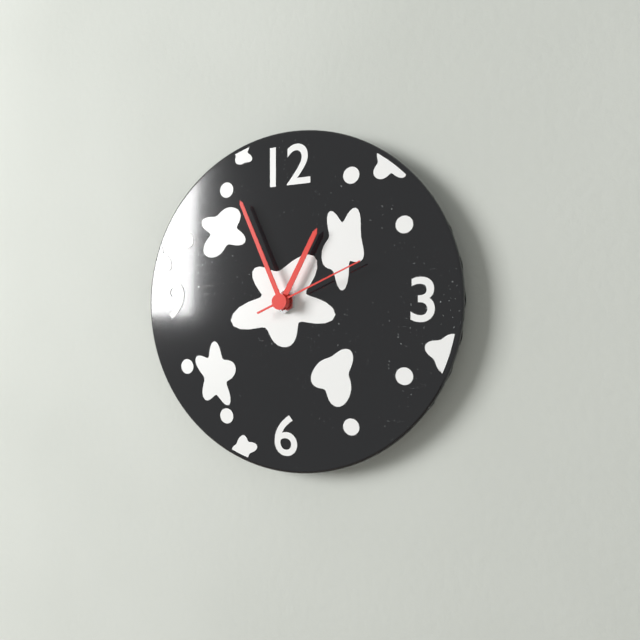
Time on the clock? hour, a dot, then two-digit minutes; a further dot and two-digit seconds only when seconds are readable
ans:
12.56.11
